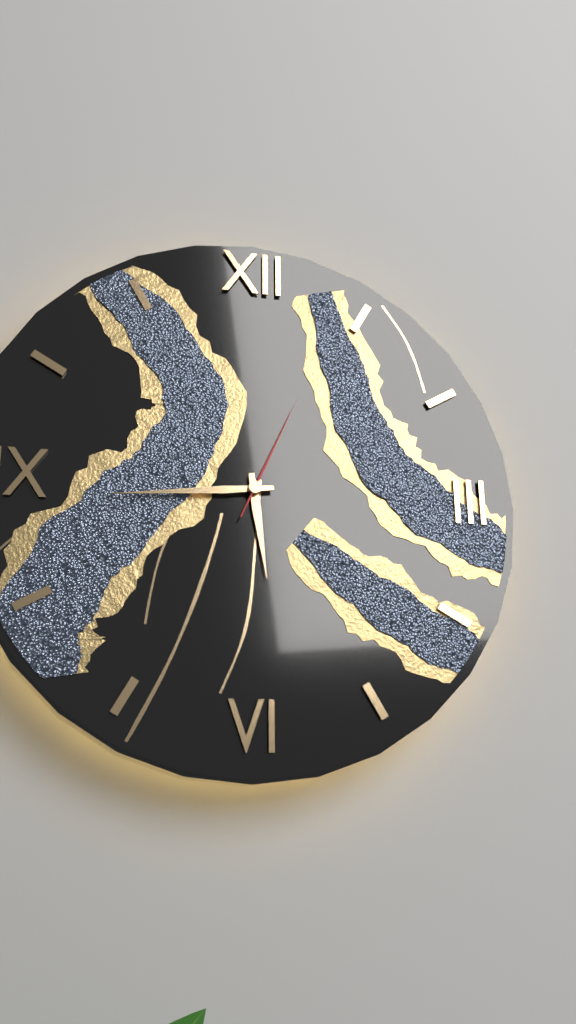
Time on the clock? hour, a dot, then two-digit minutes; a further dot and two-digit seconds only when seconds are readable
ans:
5.44.04
